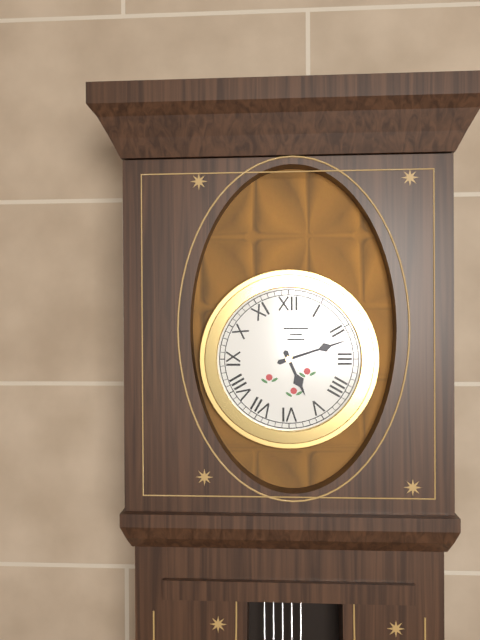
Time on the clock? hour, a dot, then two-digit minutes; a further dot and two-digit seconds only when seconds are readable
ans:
5.12
